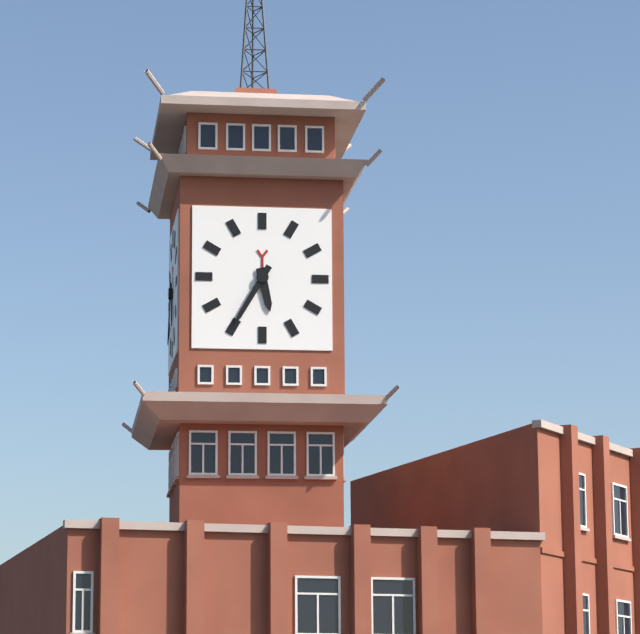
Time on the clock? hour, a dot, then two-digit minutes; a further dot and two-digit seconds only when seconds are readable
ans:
5.35
